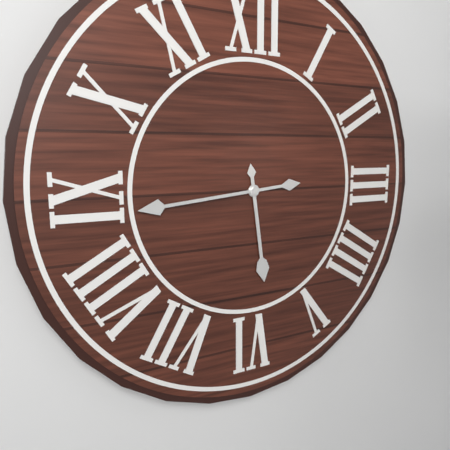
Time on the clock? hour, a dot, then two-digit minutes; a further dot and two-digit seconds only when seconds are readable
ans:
5.44
